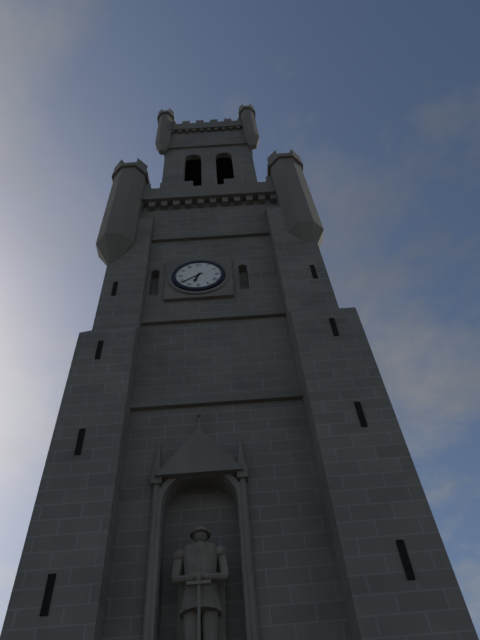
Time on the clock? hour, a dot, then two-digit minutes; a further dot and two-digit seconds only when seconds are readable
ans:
6.39
